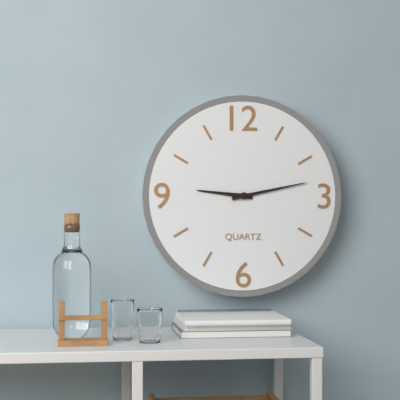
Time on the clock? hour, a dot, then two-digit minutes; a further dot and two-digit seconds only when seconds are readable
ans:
9.13
